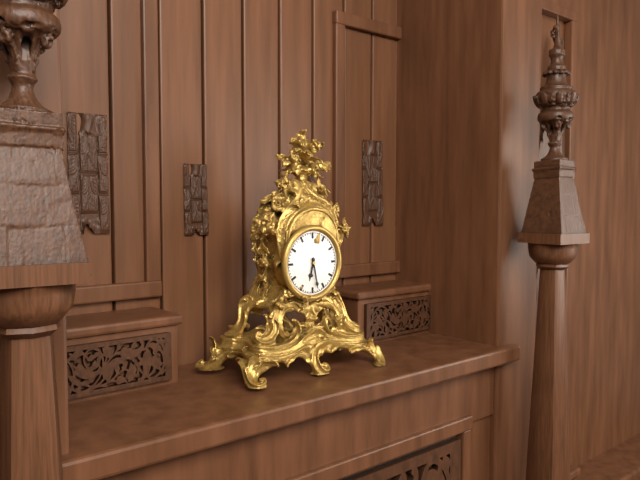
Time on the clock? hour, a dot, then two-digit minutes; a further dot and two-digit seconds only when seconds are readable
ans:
6.28
